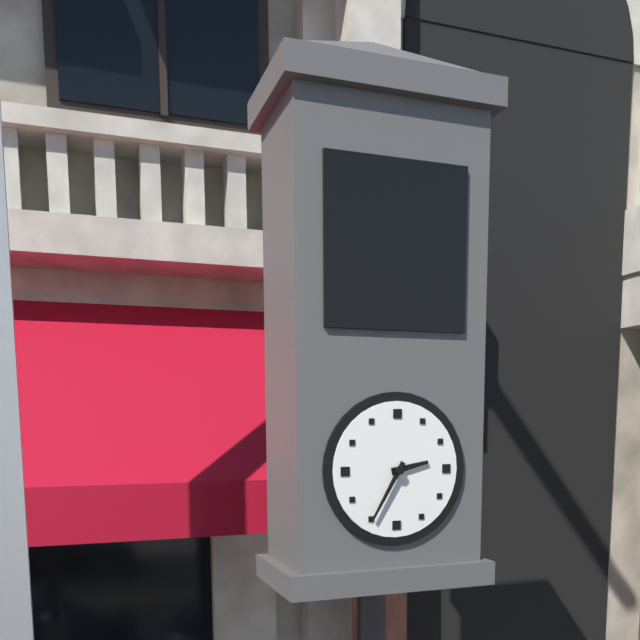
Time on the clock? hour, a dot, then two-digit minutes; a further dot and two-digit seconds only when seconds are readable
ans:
2.35
